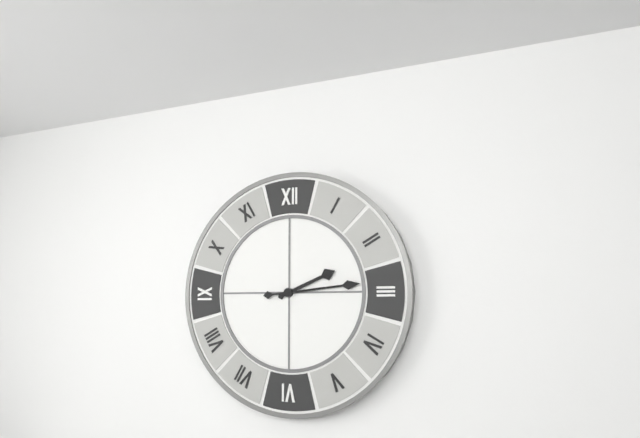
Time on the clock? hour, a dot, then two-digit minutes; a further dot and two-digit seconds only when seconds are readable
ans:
2.14
